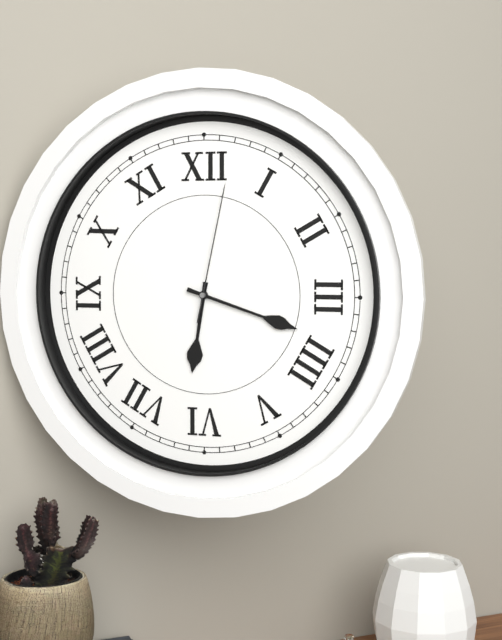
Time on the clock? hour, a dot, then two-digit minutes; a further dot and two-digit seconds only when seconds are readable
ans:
6.18.02
